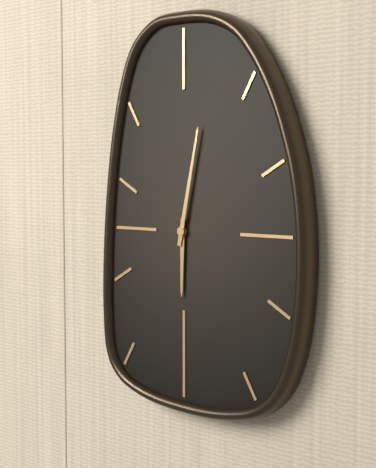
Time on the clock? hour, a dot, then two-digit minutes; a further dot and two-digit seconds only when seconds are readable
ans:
6.02
